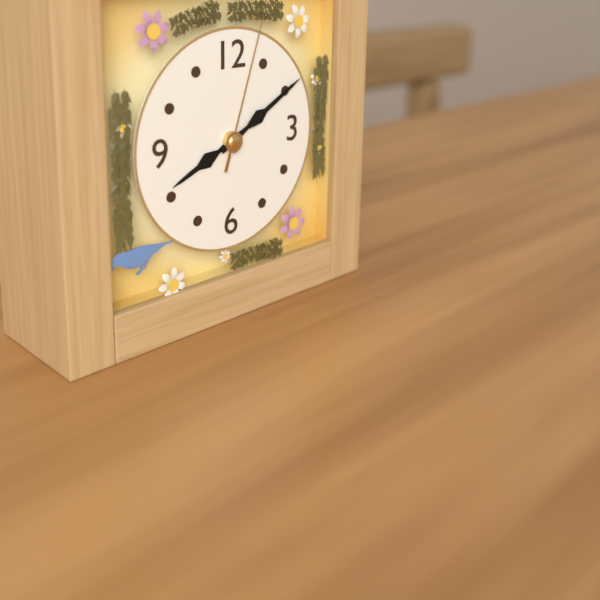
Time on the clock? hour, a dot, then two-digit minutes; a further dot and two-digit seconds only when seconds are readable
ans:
8.10.03
